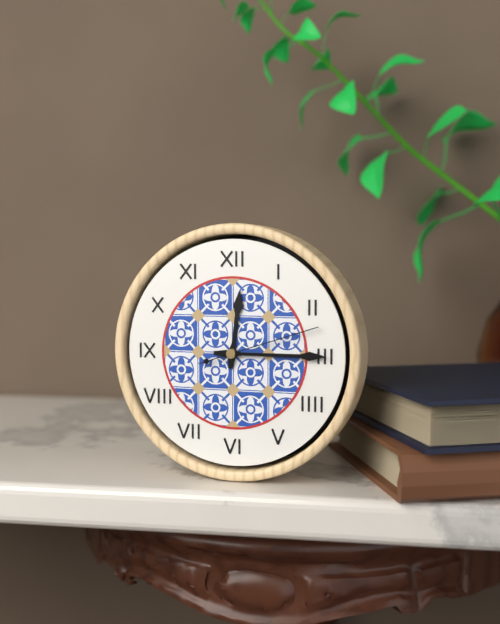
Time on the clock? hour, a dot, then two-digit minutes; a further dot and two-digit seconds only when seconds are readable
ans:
12.15.12
